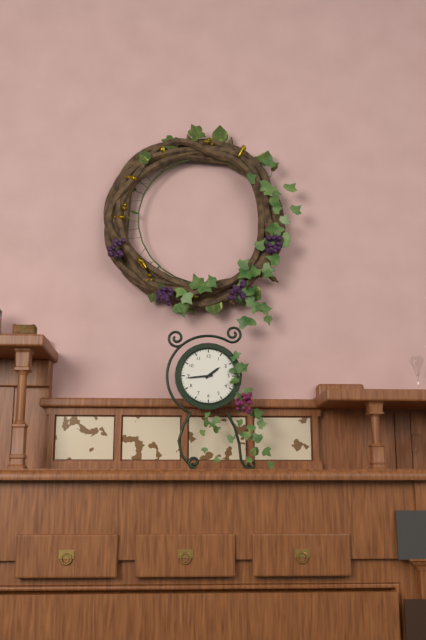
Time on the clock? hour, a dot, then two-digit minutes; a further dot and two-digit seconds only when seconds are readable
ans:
1.44
